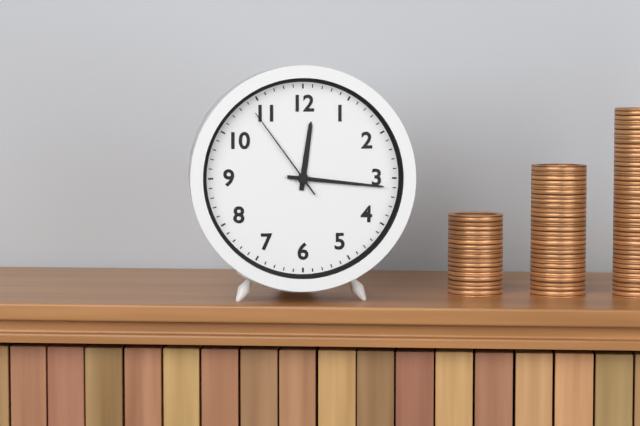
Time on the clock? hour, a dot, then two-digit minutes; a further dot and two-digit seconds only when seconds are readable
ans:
12.16.54
